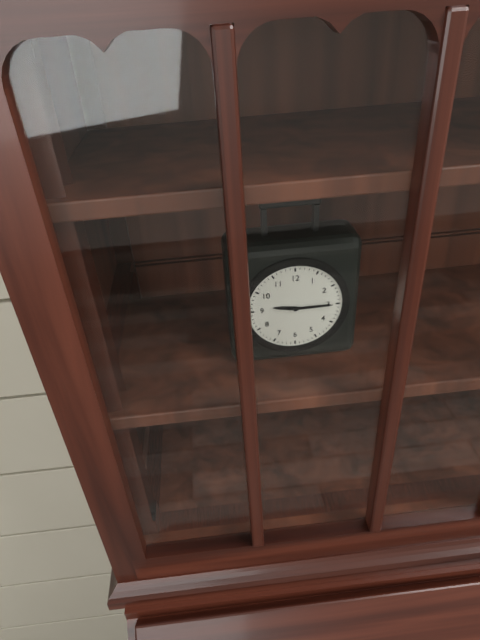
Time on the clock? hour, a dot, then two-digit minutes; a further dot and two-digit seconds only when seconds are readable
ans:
9.15
